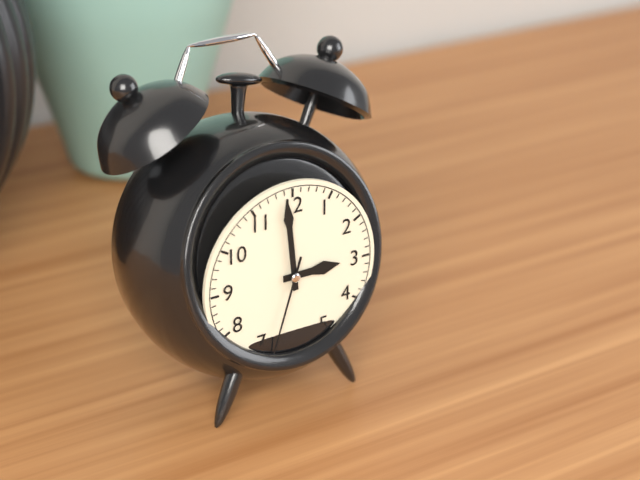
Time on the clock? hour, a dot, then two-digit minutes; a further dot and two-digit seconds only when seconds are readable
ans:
2.59.33
